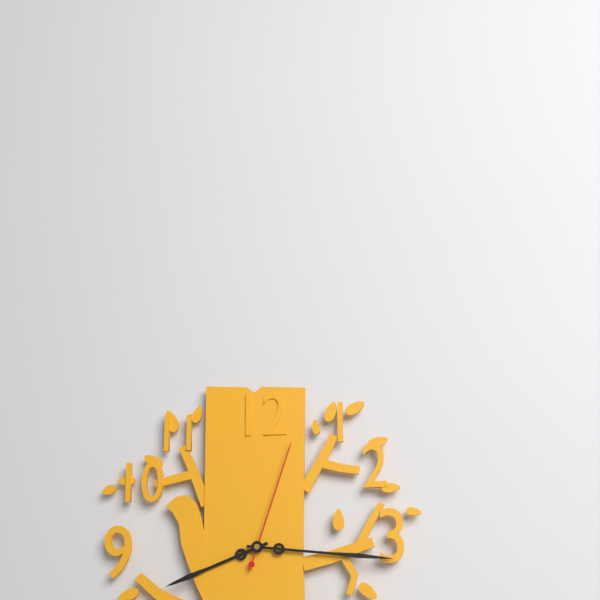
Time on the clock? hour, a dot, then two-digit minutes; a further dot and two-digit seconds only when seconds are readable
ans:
8.16.03
